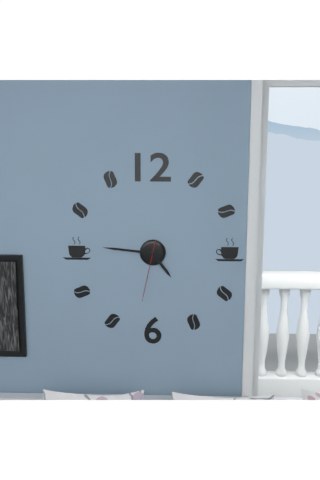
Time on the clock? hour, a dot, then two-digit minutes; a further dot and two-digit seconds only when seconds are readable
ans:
4.46.32
